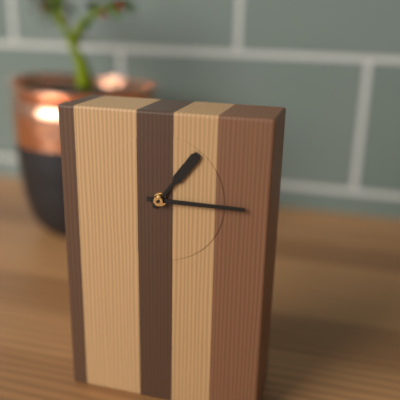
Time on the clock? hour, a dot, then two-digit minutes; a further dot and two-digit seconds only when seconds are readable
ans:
1.15
